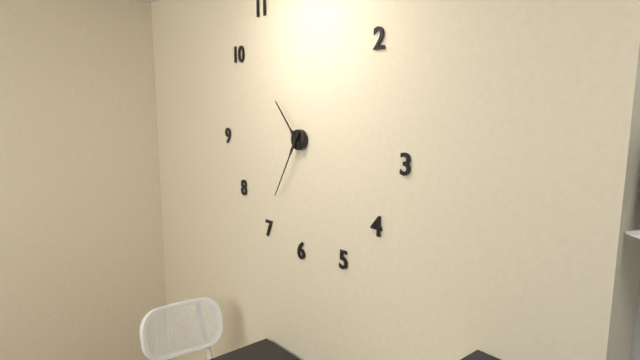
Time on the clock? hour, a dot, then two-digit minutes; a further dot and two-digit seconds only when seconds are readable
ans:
10.35
